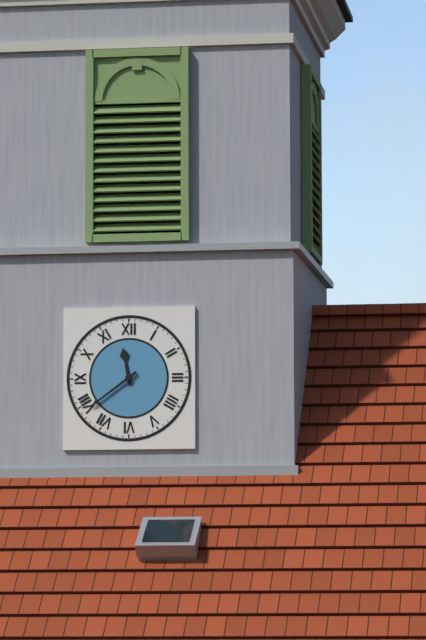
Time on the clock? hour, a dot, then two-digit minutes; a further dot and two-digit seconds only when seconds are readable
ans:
11.39
